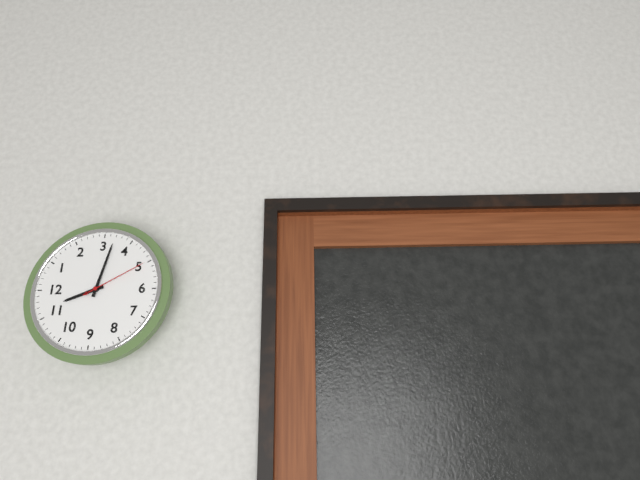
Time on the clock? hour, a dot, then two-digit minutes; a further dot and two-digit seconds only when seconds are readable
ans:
11.17.25
